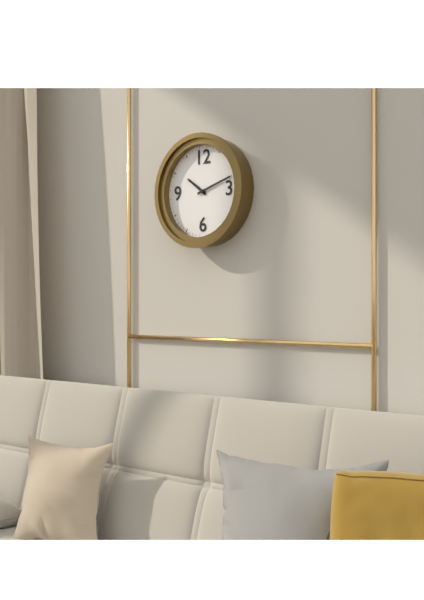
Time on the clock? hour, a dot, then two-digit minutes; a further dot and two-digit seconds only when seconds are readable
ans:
10.12
